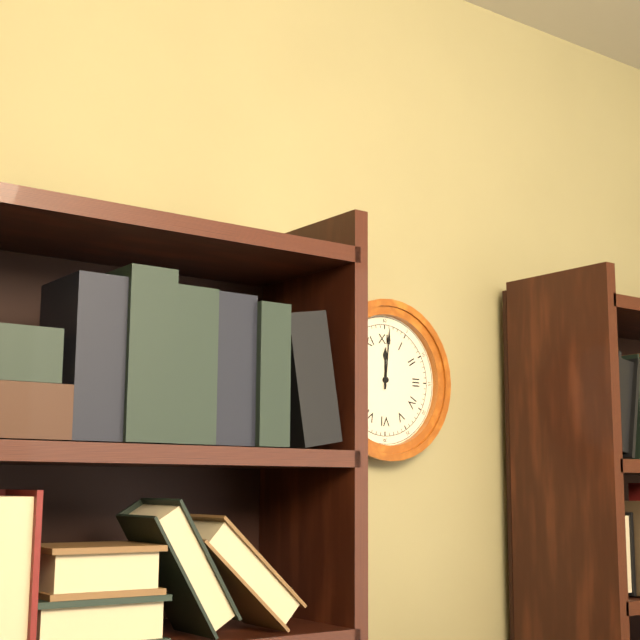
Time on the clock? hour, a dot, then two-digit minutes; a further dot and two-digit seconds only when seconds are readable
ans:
12.01
